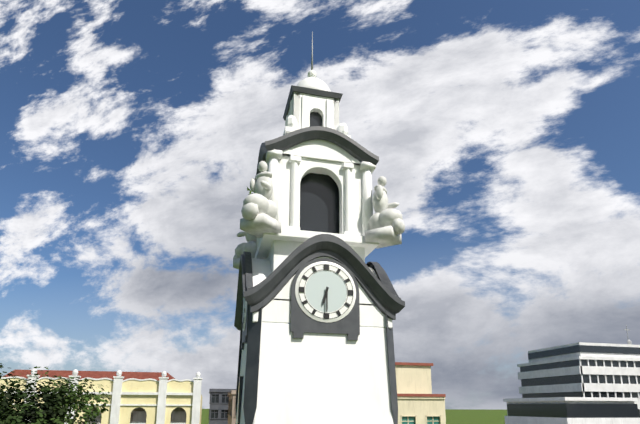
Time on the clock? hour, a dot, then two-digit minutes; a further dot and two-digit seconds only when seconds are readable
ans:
6.30
